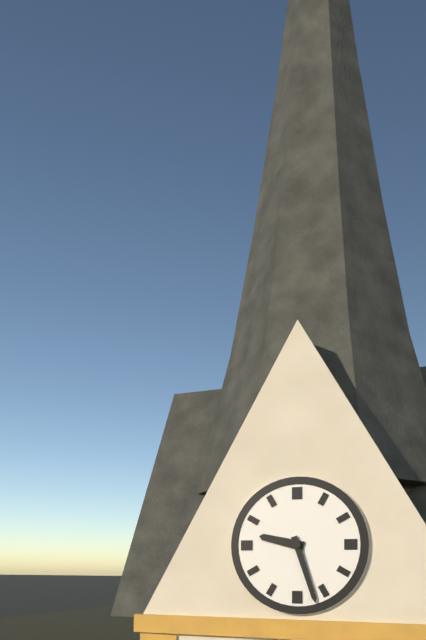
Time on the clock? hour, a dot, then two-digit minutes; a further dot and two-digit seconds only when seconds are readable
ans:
9.27
